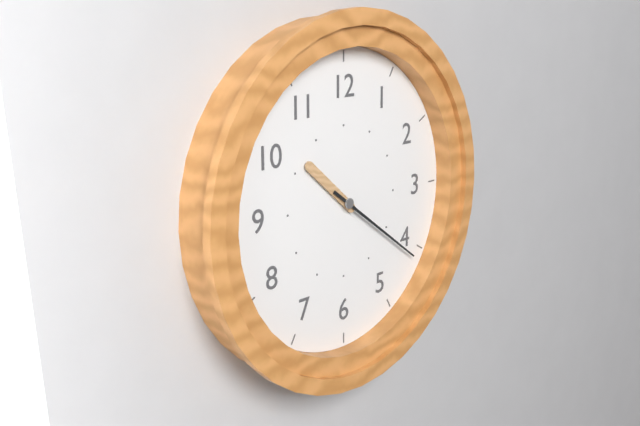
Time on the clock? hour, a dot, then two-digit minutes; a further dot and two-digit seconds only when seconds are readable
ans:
10.21
